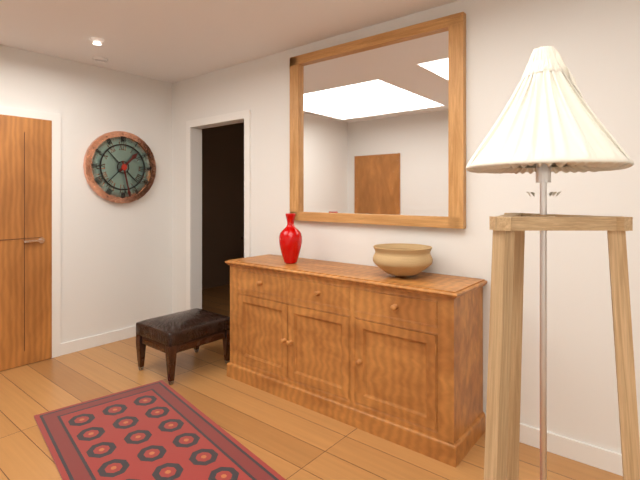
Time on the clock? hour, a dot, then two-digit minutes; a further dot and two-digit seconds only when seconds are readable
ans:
1.28
